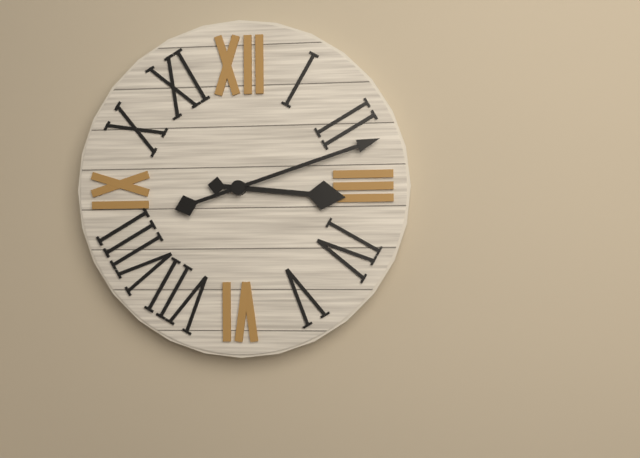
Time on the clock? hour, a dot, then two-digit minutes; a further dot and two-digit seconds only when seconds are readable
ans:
3.12
